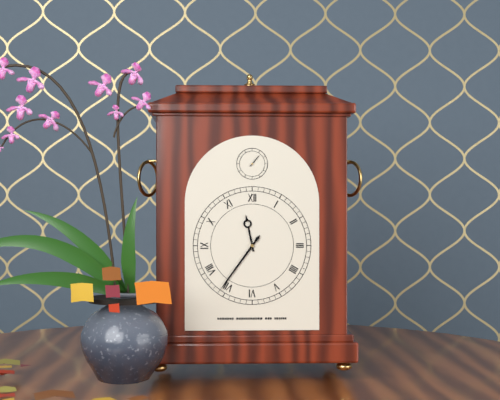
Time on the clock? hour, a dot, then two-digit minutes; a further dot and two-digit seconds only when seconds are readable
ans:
11.36
